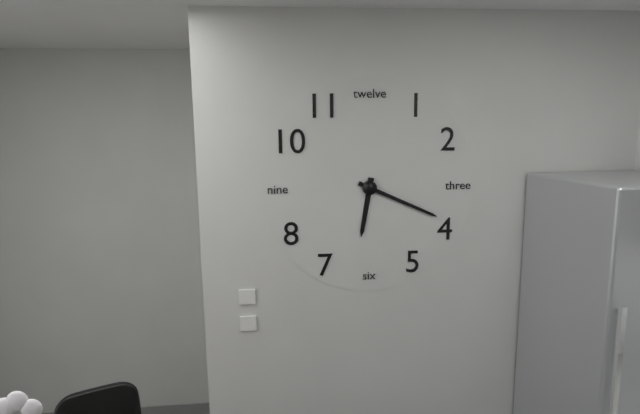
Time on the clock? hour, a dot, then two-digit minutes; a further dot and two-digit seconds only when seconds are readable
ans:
6.19
